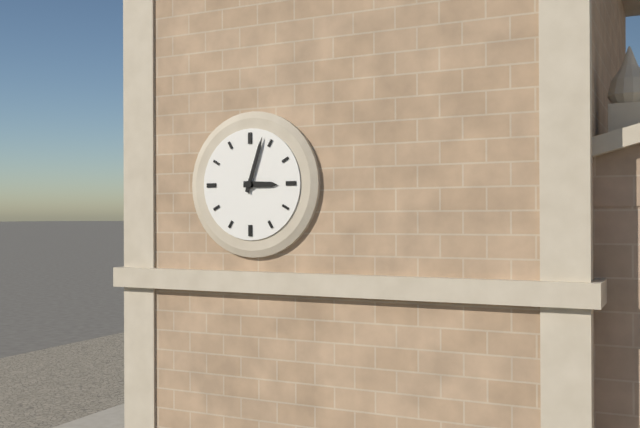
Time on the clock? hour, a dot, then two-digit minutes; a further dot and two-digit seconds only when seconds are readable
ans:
3.03
